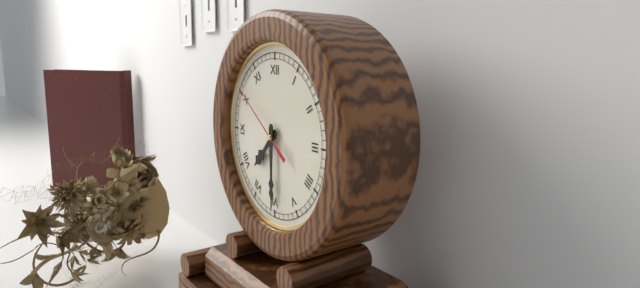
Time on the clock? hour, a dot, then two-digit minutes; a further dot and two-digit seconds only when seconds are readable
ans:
7.30.51
